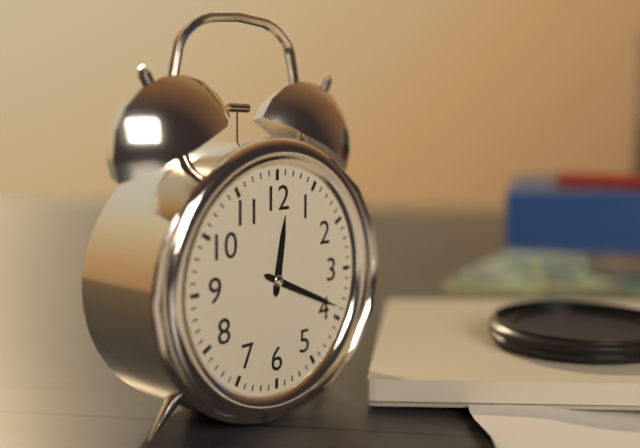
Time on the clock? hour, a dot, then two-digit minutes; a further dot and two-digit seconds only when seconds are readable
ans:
12.19
